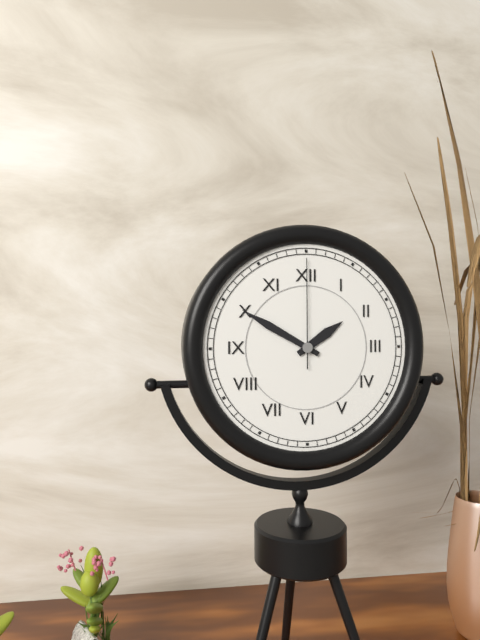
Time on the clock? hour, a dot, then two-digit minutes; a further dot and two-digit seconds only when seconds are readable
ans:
1.50.00
